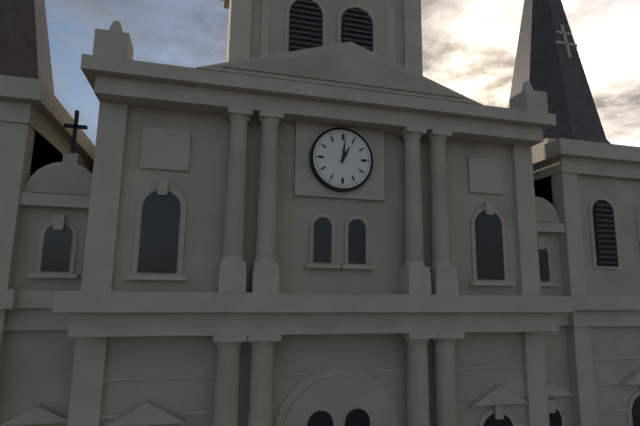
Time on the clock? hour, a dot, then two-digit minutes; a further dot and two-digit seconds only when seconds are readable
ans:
1.01
